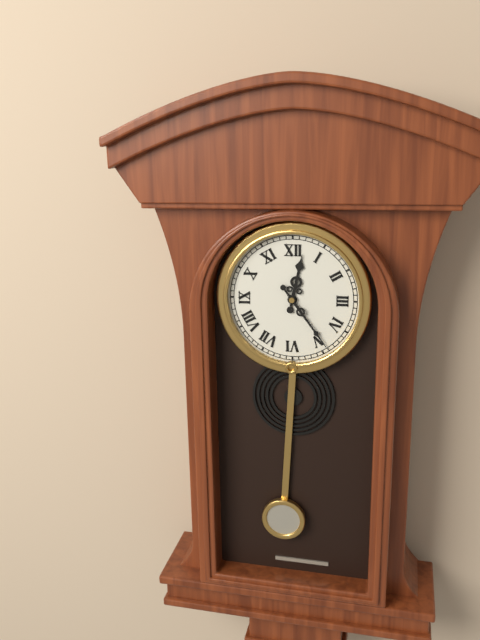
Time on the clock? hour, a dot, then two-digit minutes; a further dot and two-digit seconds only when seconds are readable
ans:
12.24
